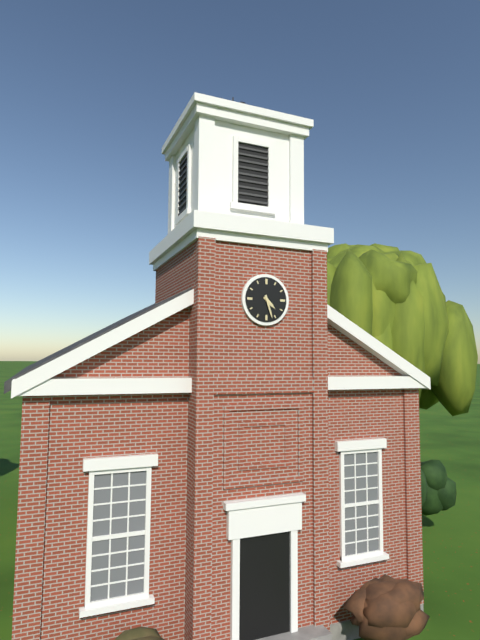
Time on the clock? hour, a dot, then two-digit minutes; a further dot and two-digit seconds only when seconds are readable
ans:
4.27
